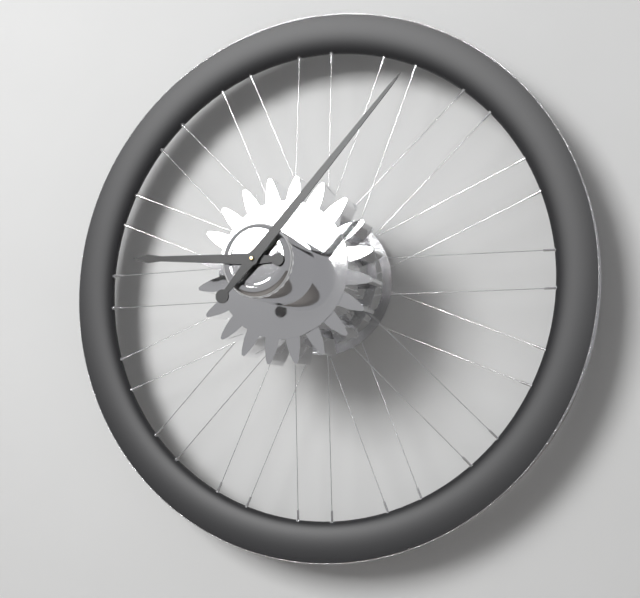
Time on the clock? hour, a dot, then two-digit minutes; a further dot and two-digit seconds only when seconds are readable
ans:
9.07
